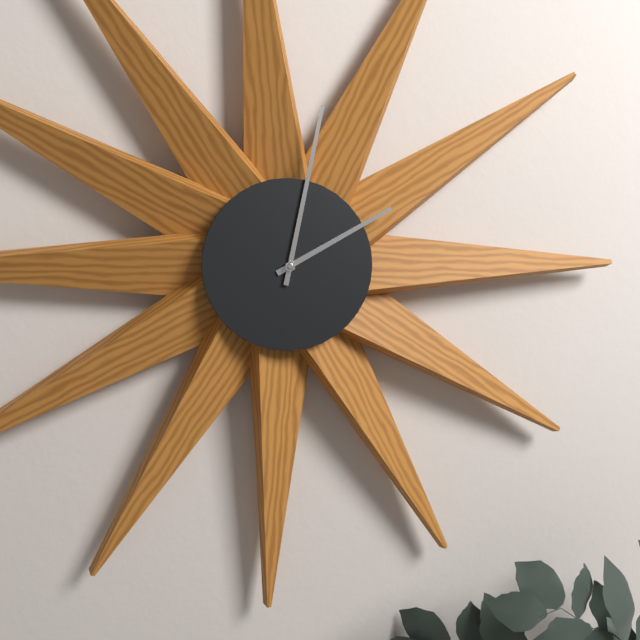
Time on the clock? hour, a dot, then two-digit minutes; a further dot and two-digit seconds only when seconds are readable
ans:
2.02
